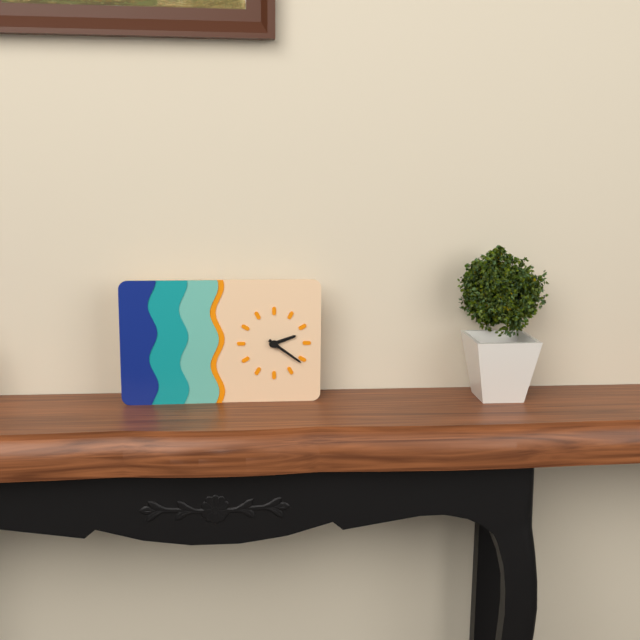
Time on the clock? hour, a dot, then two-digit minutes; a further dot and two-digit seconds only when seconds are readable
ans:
2.21
